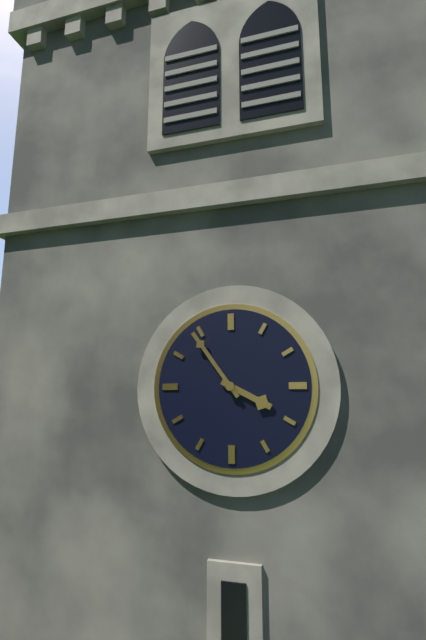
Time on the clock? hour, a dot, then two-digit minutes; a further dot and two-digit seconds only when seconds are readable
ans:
3.54
